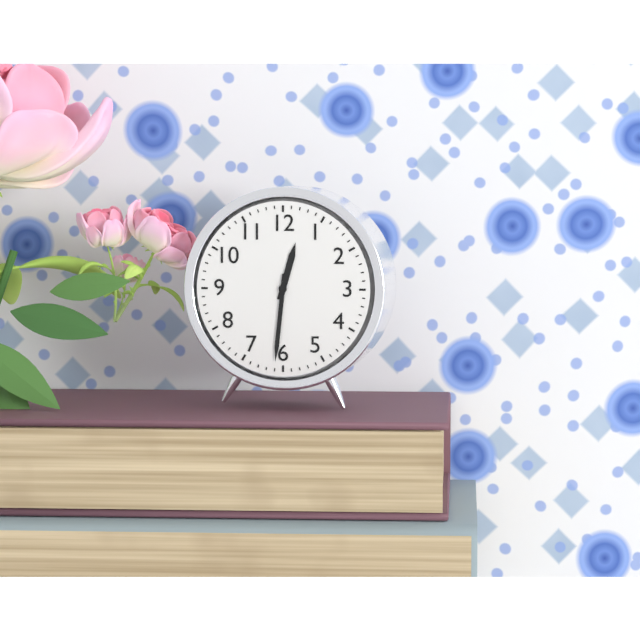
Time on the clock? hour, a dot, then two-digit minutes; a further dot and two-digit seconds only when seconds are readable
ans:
12.31
